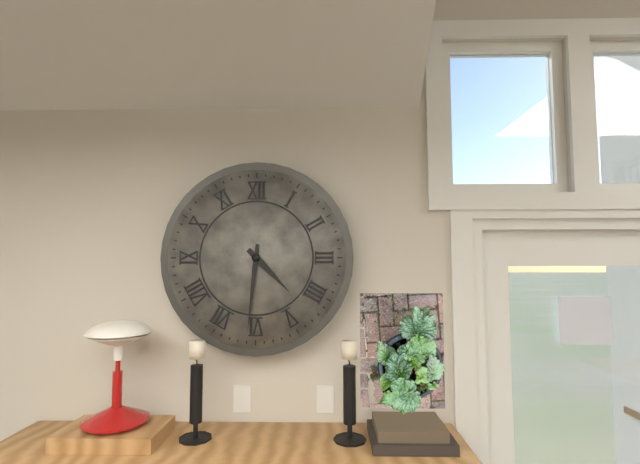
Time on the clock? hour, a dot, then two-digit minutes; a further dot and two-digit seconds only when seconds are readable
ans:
4.31
